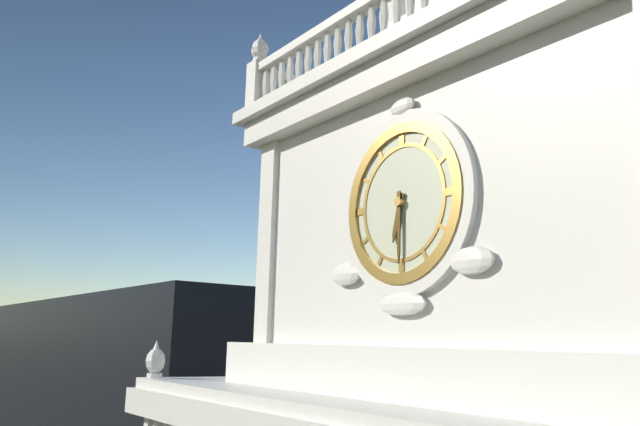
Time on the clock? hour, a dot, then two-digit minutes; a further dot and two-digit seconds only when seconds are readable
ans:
6.30
